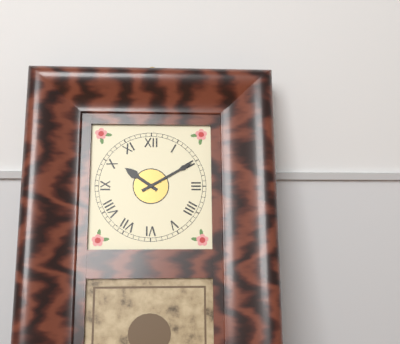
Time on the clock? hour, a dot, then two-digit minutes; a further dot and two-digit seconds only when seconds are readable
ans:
10.10
